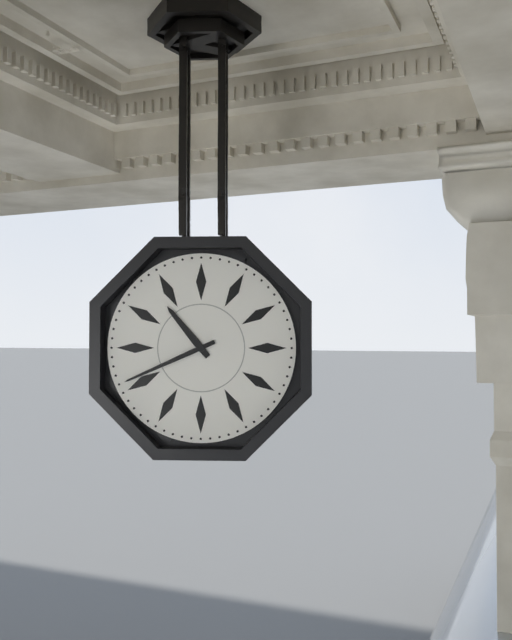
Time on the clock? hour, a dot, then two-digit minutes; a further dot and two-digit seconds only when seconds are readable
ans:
10.41
